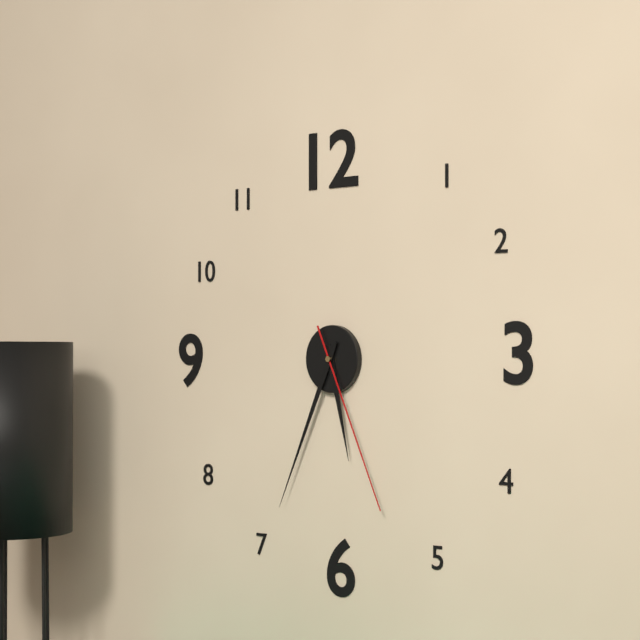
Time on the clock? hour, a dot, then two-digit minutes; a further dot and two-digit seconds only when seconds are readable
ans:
5.34.26
